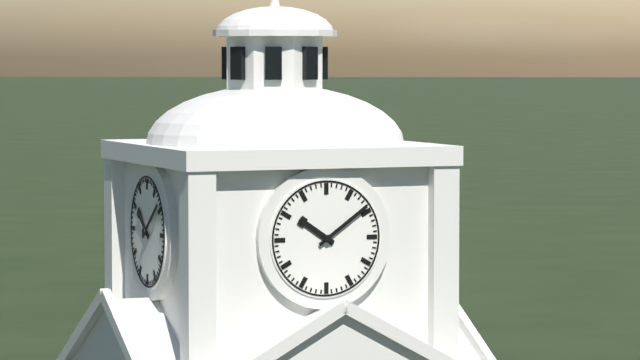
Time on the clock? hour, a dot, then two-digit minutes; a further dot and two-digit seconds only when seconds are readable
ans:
10.09
